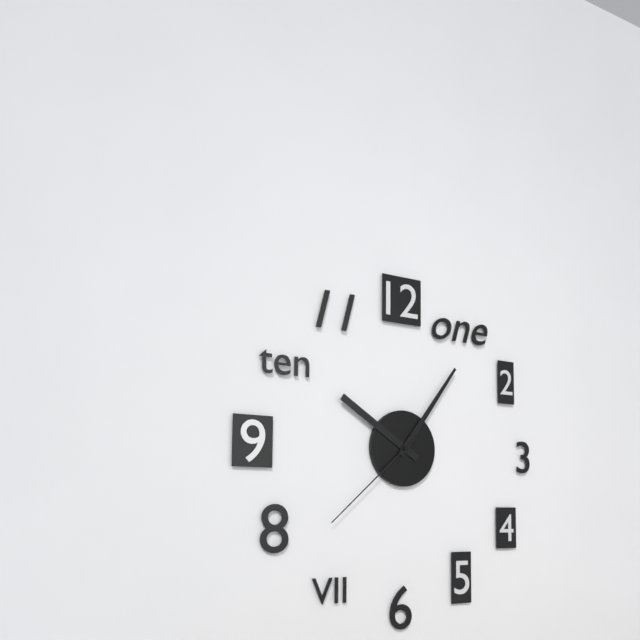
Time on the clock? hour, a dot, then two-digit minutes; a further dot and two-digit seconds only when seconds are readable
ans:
10.06.38
